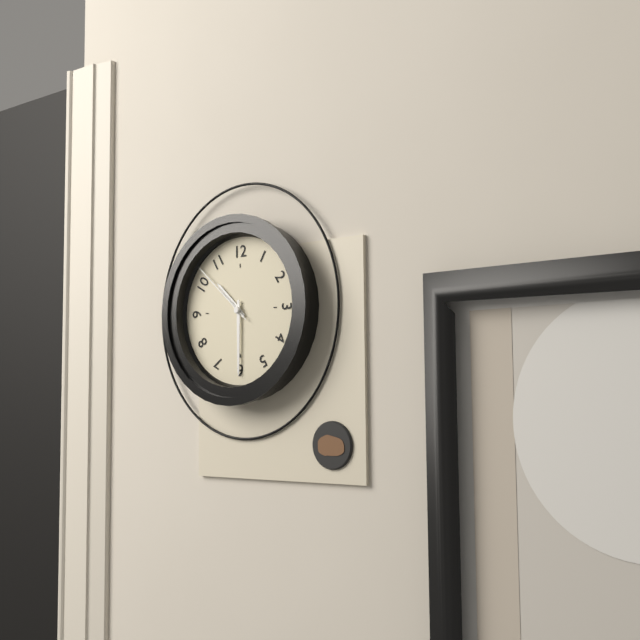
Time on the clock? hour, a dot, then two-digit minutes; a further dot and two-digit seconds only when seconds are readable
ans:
10.30.52
